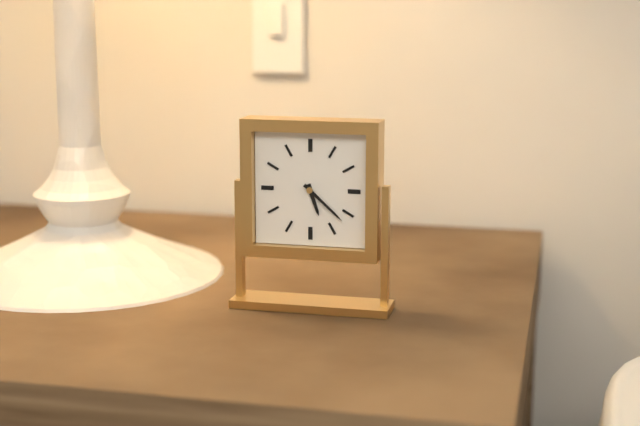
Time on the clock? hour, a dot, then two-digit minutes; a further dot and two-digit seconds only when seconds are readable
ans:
5.22
